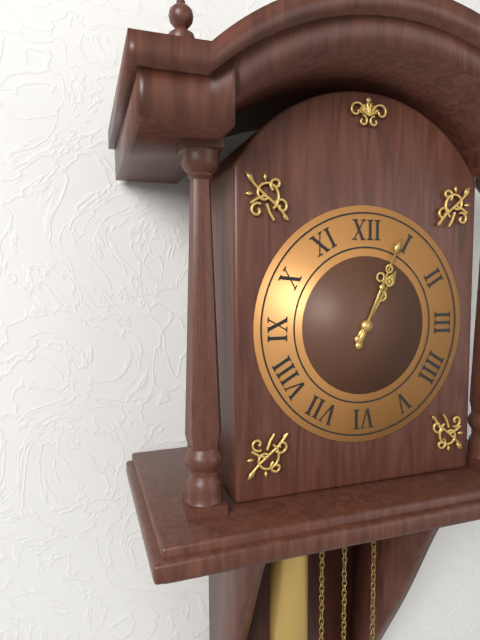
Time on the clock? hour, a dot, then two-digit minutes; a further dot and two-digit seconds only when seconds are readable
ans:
1.04
